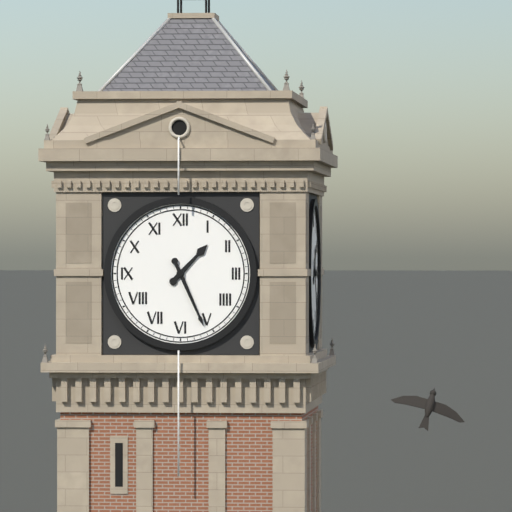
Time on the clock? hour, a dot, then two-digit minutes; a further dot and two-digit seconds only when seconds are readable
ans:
1.26
